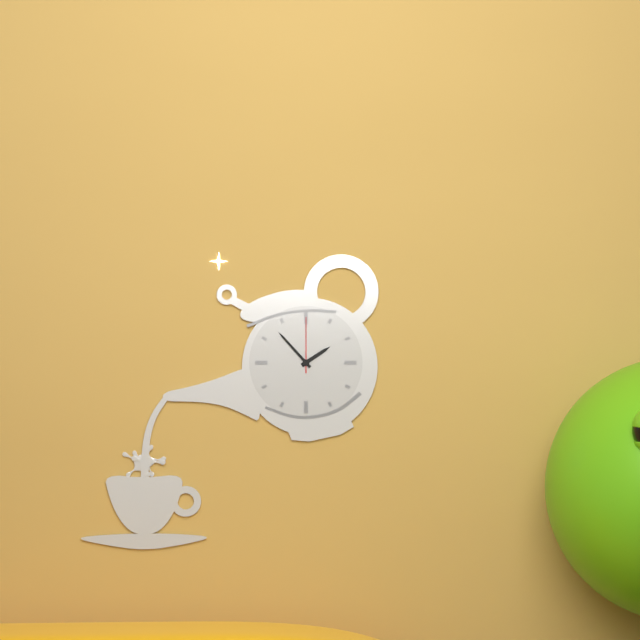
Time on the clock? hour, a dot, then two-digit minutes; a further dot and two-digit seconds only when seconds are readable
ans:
1.53.00
